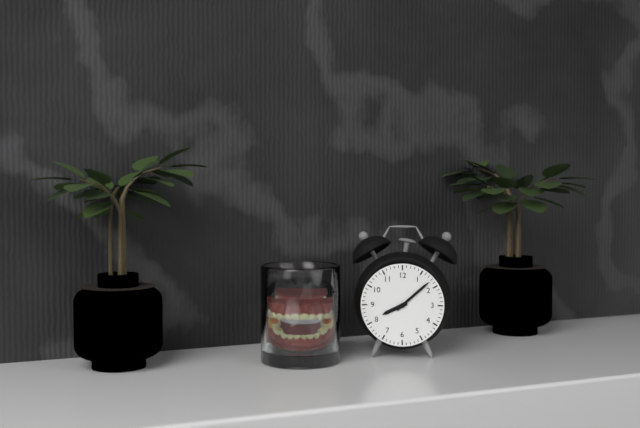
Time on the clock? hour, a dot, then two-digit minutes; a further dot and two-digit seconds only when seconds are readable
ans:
8.08
